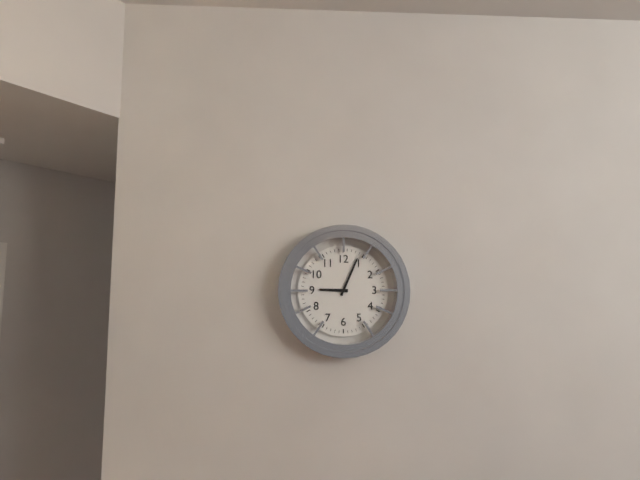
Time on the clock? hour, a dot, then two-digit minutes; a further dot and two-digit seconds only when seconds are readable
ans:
9.04
